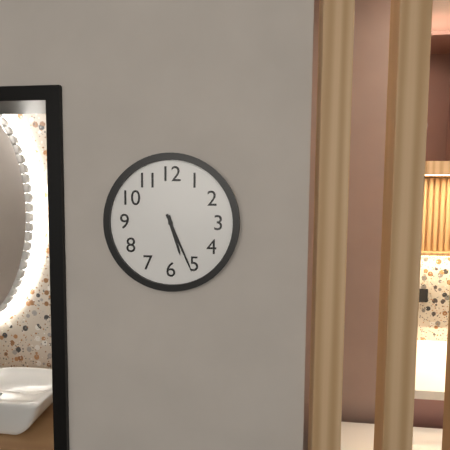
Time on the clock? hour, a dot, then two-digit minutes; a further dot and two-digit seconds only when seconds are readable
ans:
5.26
